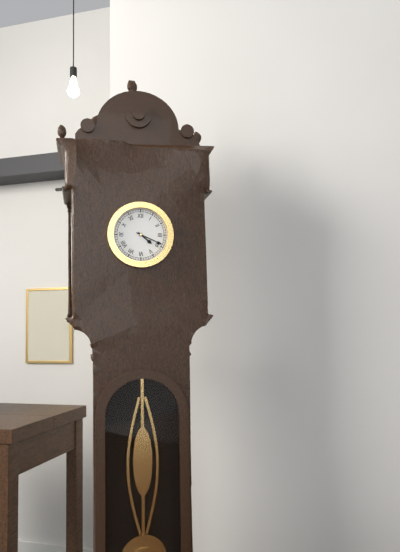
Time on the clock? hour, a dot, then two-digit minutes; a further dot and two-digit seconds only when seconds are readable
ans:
4.19
